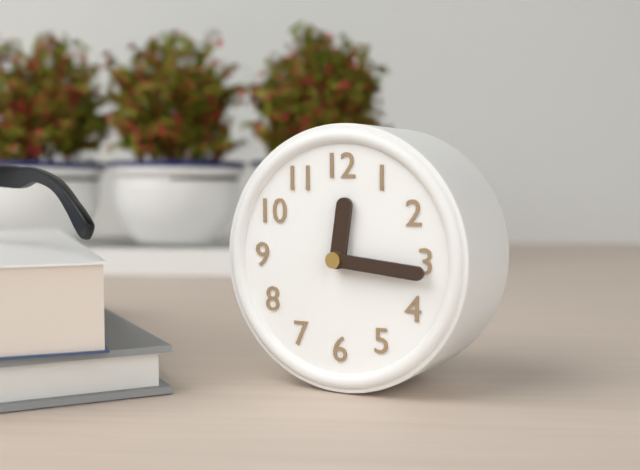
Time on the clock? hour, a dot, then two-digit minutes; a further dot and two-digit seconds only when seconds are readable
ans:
12.16
